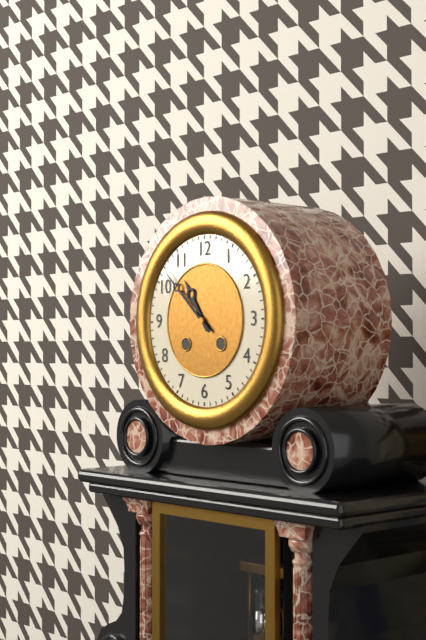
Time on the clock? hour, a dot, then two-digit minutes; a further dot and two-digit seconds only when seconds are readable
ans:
10.52
